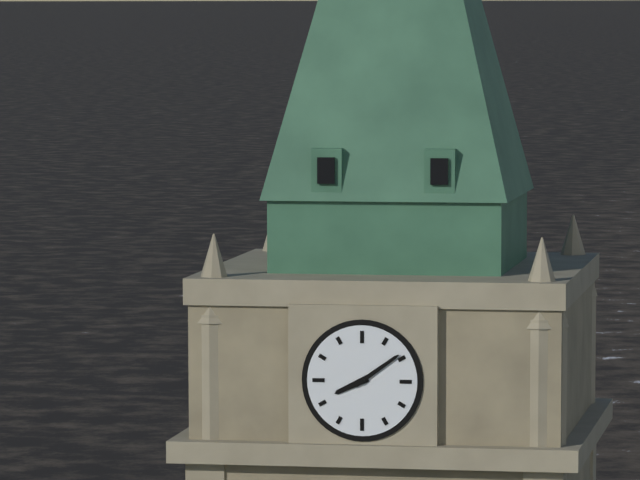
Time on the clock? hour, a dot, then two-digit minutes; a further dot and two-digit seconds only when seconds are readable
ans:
8.09
